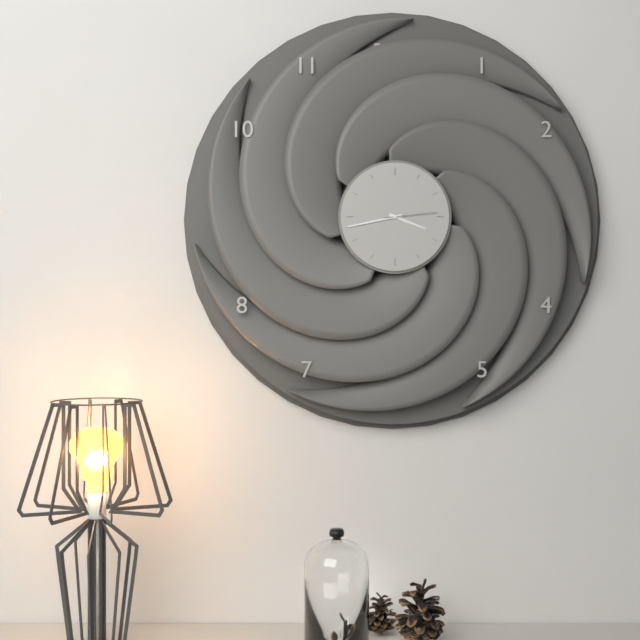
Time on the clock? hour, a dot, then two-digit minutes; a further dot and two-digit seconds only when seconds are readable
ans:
3.43.14
